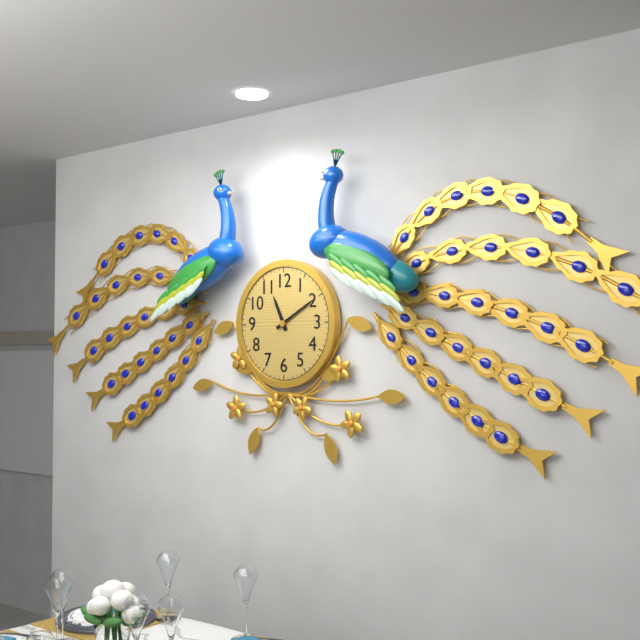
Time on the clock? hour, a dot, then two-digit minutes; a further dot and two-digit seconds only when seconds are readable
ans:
11.10
